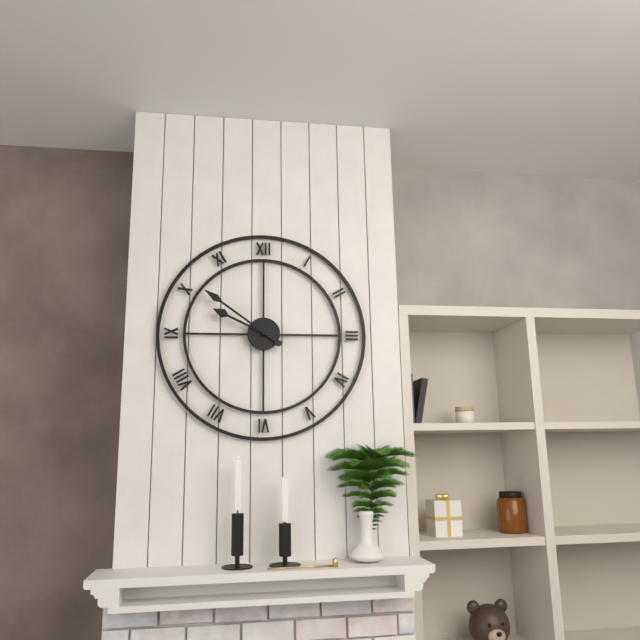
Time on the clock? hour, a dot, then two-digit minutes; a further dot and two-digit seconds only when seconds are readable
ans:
9.51
